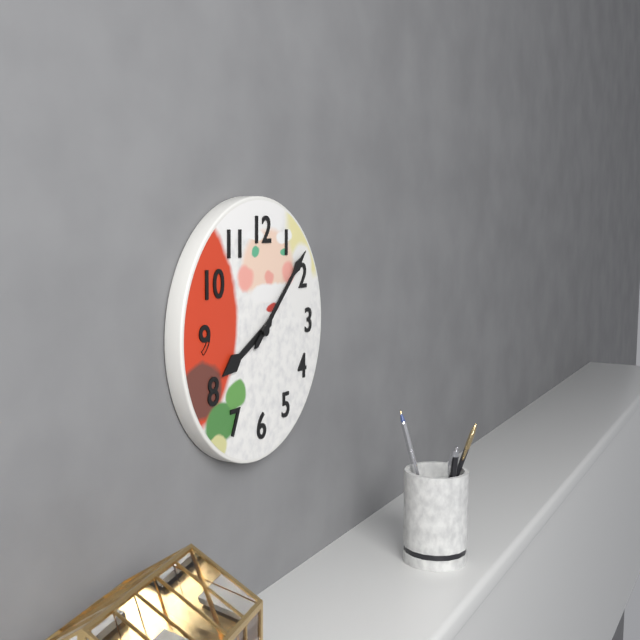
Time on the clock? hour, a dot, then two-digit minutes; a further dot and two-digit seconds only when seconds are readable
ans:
8.08
